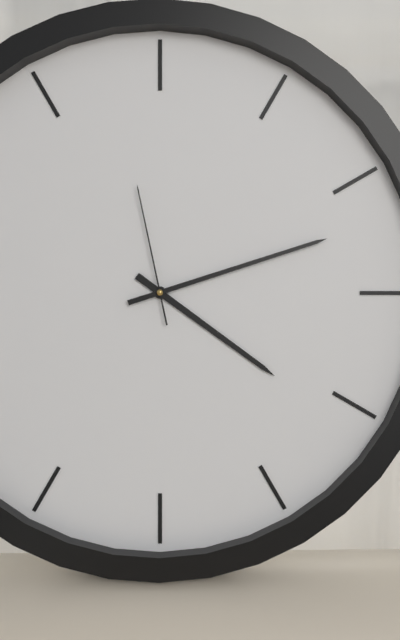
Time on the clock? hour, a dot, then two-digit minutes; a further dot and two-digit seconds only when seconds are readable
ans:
4.12.58
